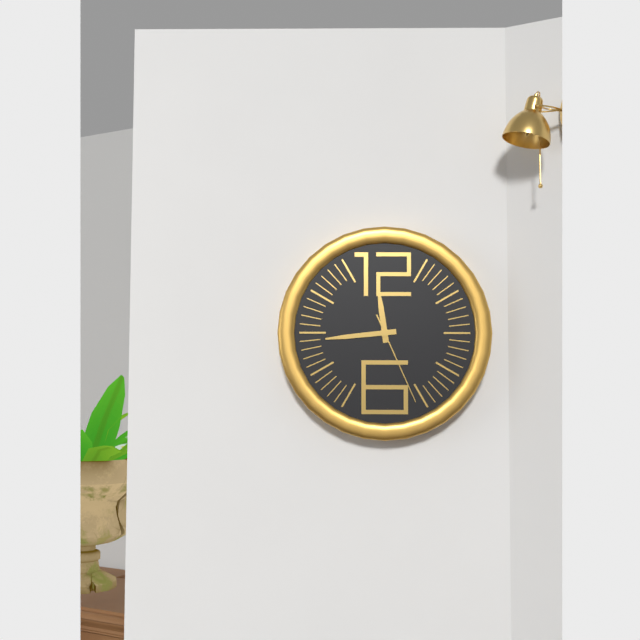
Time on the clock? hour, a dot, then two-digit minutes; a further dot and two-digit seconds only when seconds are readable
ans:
11.44.26
